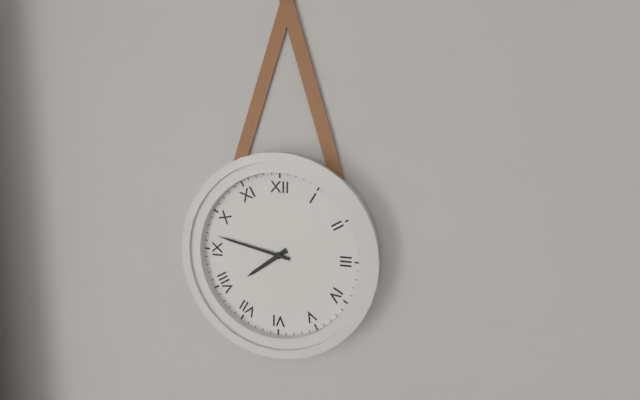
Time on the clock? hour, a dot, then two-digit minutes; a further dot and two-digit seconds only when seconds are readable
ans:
7.47
